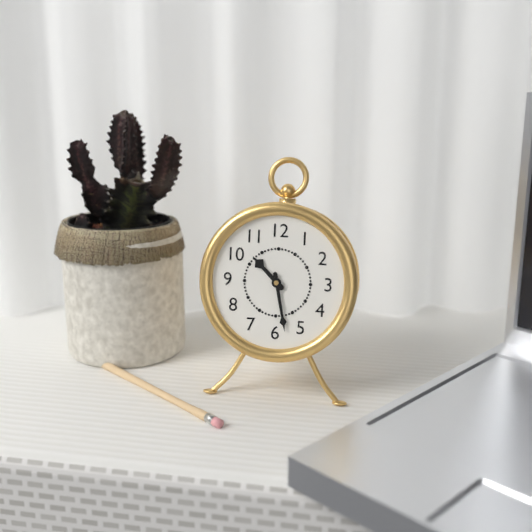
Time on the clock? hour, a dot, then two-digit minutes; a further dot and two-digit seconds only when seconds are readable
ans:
10.28
